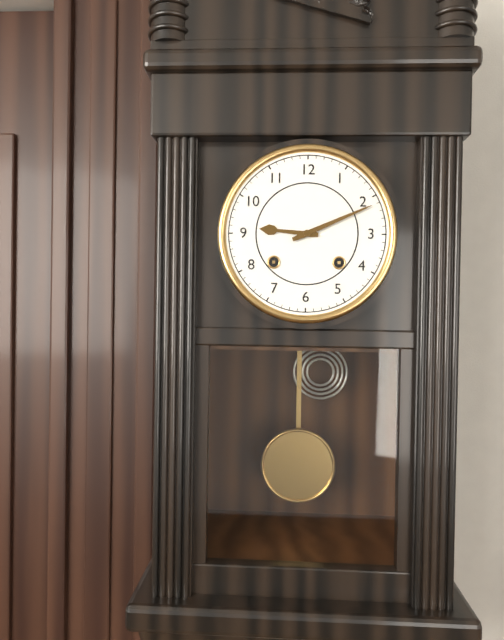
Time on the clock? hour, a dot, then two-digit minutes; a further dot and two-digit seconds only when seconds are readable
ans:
9.11
